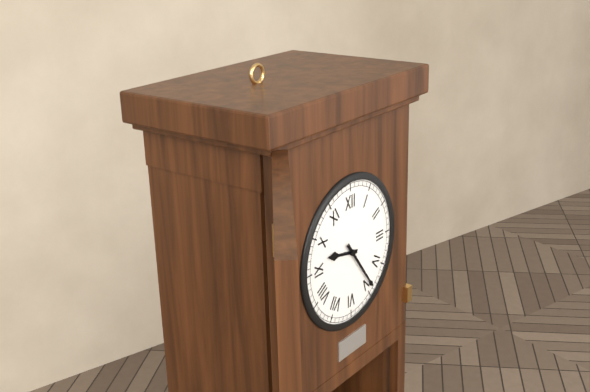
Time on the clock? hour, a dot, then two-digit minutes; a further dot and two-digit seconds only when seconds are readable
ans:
9.24
